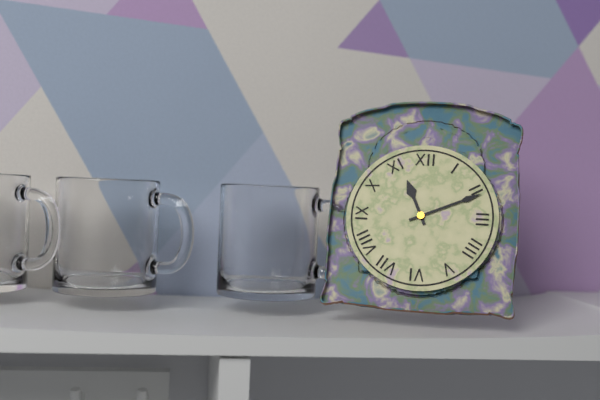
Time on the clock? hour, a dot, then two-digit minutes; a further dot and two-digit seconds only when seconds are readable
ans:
11.11
